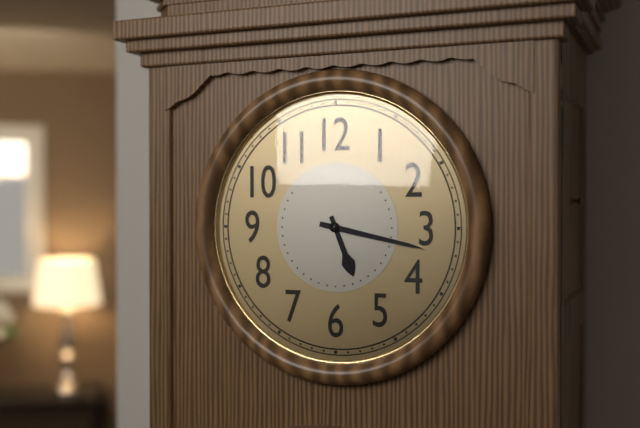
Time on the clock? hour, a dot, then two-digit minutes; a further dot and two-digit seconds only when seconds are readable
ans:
5.17
